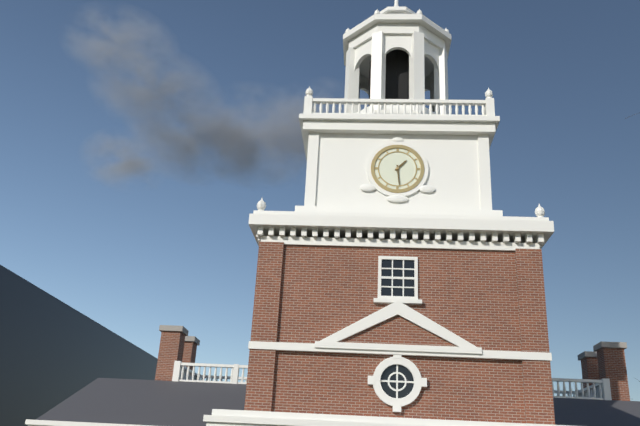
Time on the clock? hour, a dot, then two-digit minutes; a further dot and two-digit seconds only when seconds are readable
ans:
1.29
